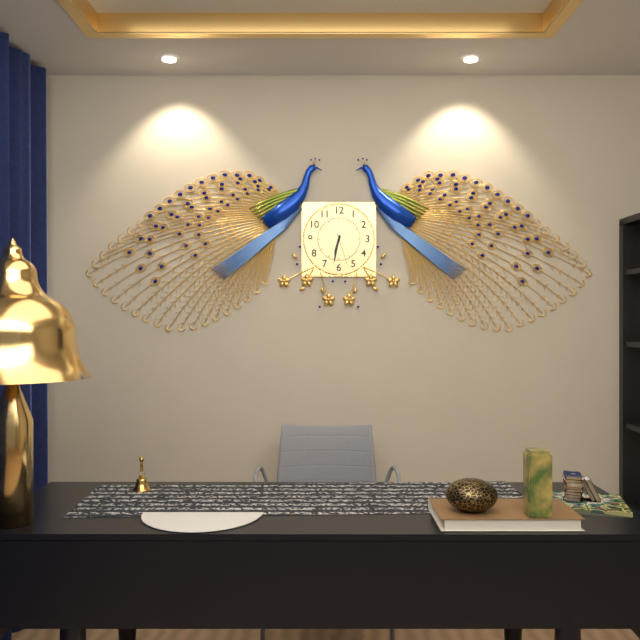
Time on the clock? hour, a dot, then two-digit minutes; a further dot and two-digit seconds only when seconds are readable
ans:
6.32
